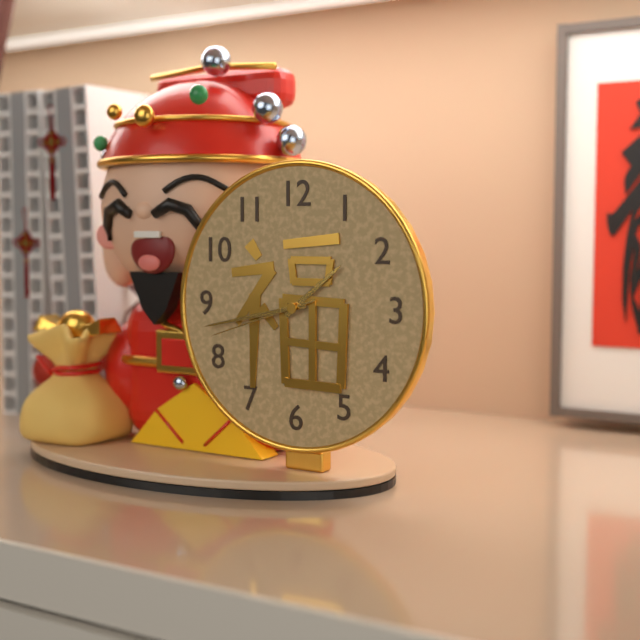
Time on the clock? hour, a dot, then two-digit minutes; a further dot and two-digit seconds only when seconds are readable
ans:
1.43.42
